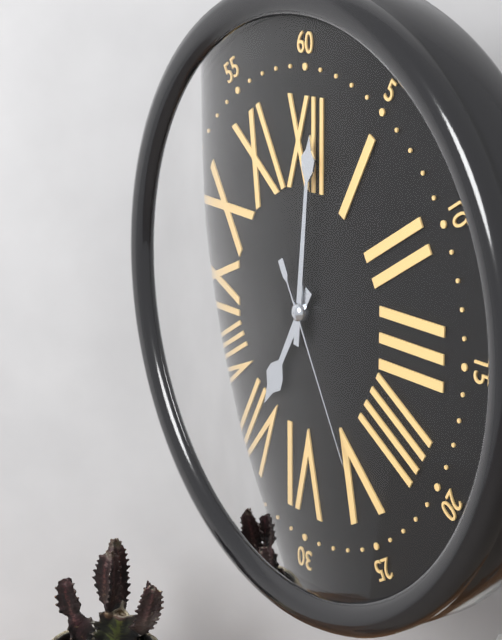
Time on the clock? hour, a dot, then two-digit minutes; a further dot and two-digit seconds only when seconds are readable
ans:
7.01.25
